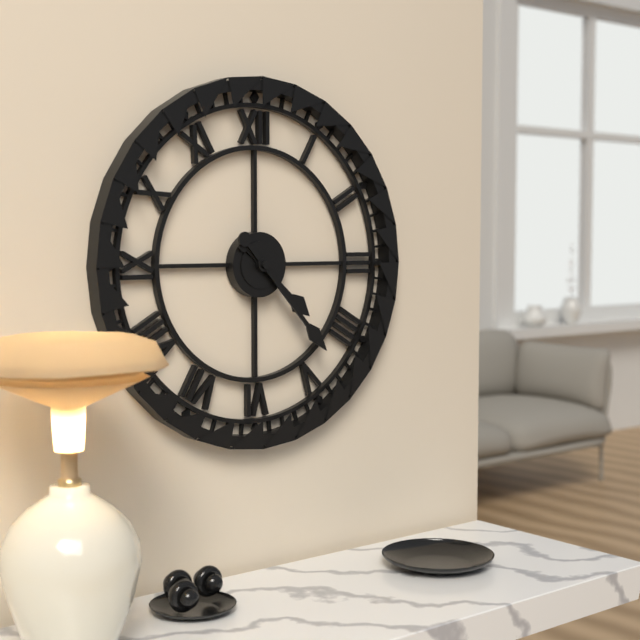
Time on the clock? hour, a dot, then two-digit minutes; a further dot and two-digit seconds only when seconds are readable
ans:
4.23
